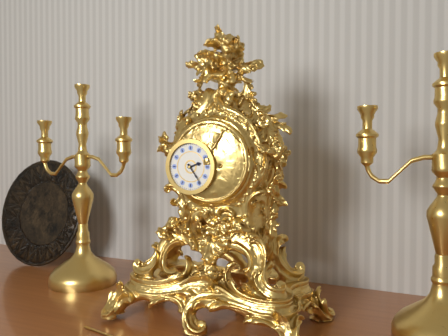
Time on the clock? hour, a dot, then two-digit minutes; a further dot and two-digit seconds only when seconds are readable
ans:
2.24
